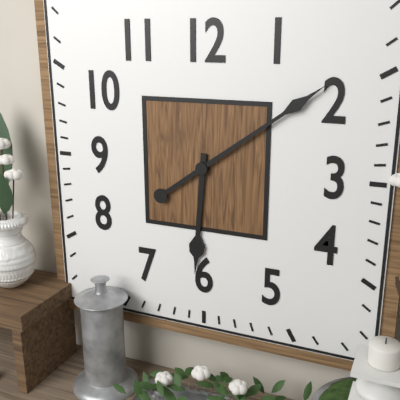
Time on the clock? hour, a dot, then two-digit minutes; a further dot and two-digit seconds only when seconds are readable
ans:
6.09
